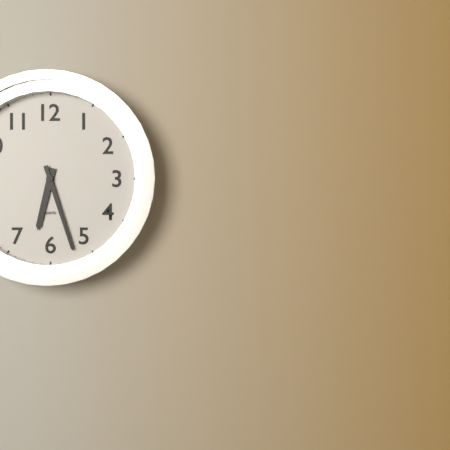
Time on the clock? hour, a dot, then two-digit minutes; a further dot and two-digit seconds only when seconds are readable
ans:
6.27
